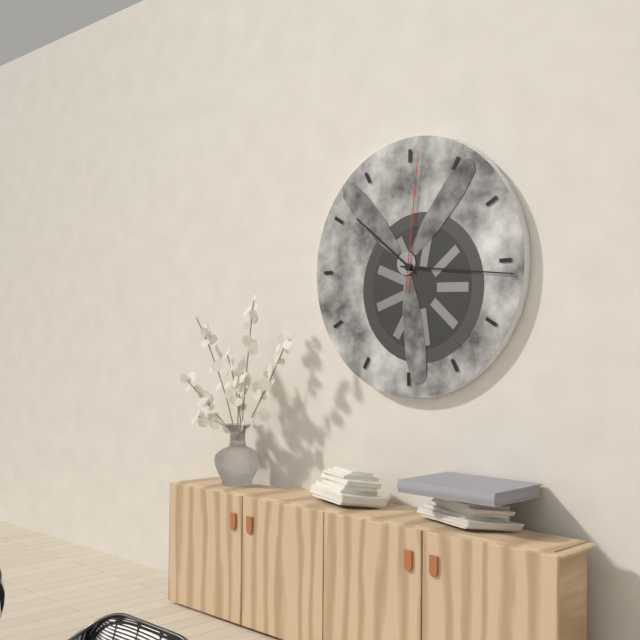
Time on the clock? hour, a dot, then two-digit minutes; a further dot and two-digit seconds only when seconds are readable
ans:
10.16.01
